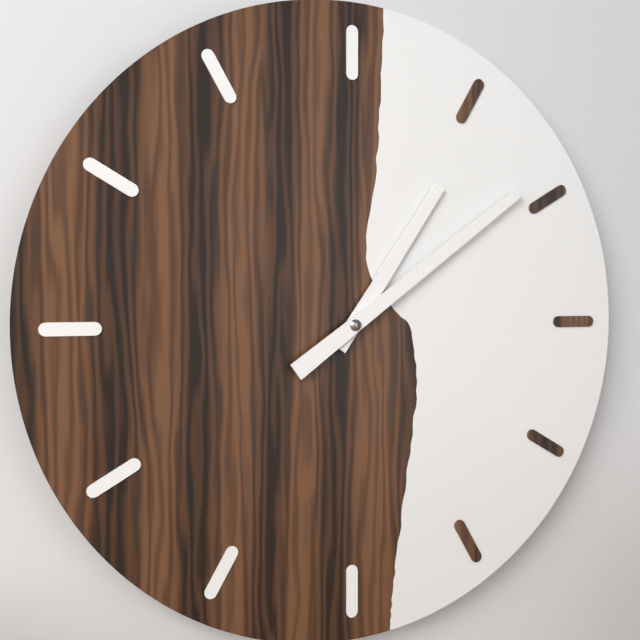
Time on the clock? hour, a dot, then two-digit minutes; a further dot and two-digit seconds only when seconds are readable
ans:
1.09
